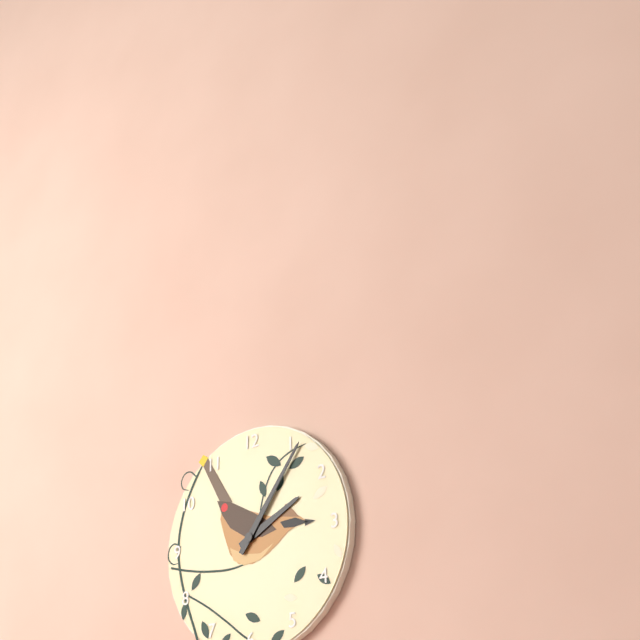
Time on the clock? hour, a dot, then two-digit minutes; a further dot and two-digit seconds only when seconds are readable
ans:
2.06
